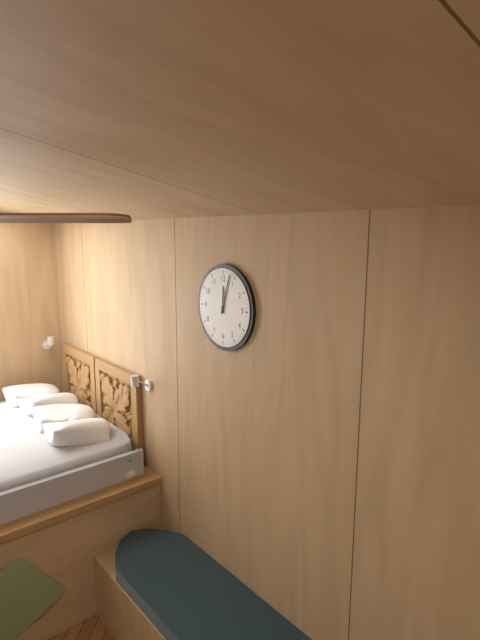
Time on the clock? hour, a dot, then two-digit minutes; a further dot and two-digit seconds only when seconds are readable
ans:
12.03
